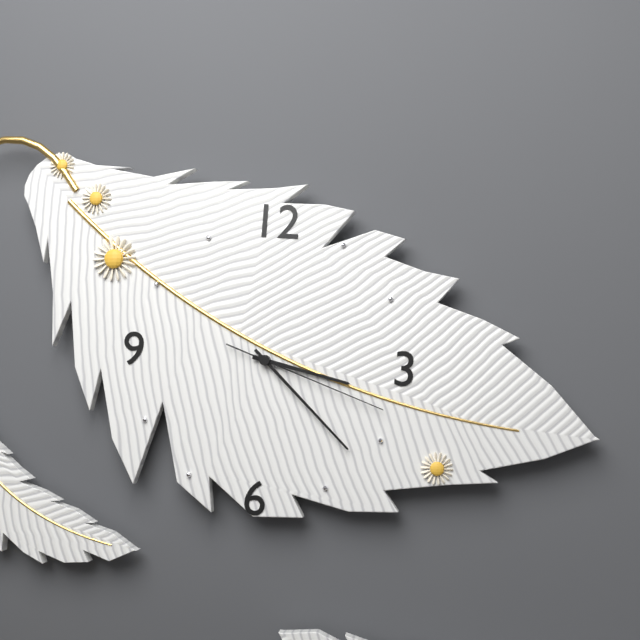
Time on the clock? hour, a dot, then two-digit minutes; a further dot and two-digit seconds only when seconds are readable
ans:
3.22.18
